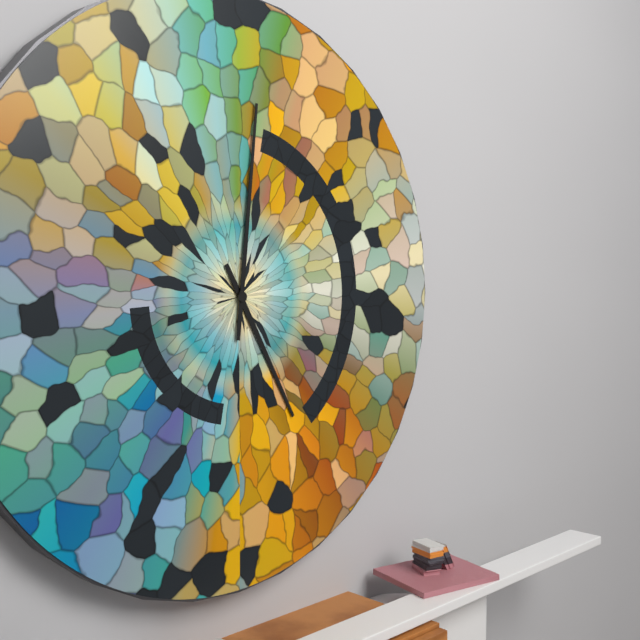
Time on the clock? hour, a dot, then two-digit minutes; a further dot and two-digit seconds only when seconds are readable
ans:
5.01
